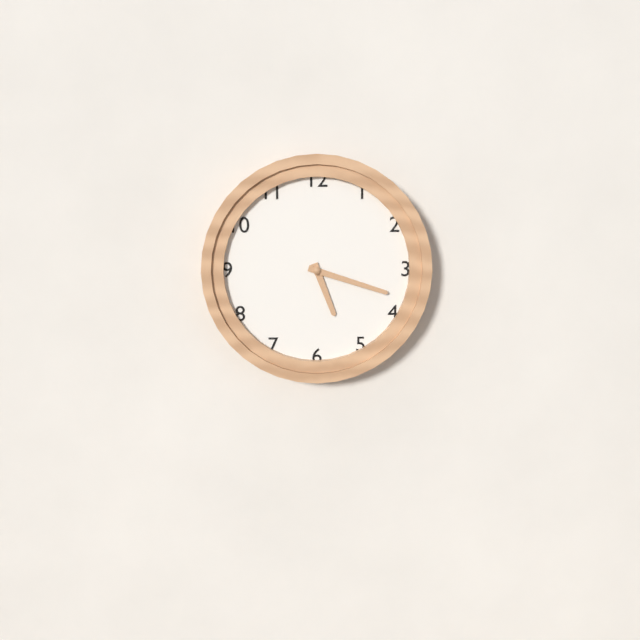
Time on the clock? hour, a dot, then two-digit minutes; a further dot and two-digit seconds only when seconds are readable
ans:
5.18
